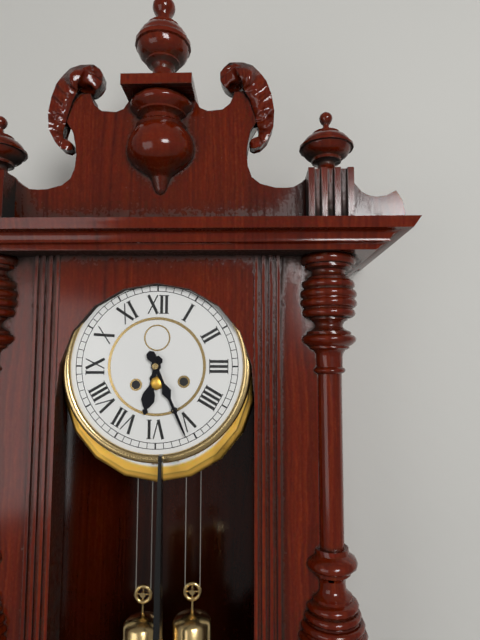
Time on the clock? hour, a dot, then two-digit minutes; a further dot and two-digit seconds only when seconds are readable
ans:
6.26
